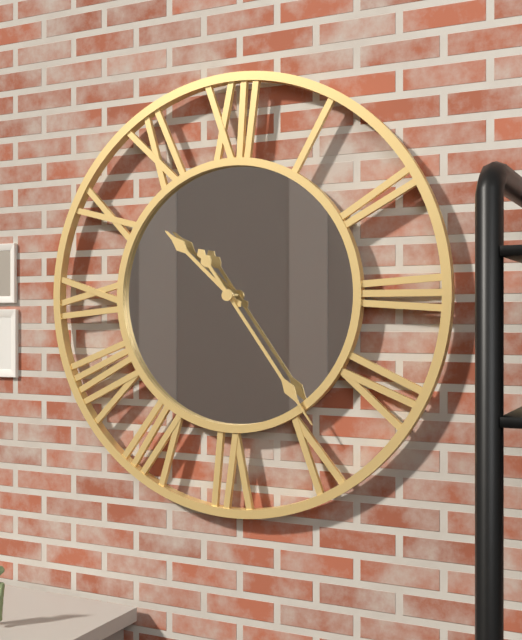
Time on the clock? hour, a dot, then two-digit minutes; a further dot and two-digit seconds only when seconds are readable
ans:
10.24
